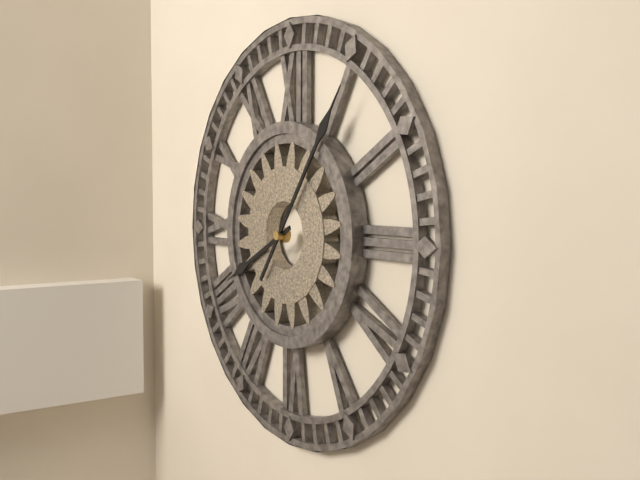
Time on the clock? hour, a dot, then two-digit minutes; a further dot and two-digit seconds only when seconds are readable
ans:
8.06
